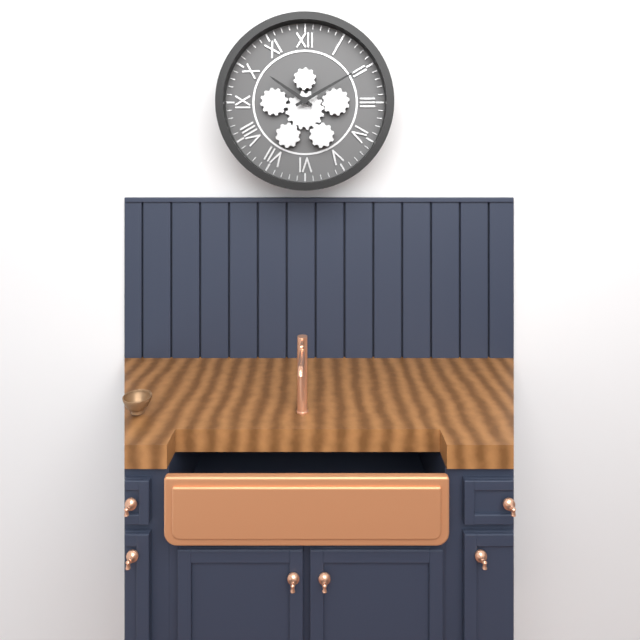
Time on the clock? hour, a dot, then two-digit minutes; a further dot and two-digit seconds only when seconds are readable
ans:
10.10
